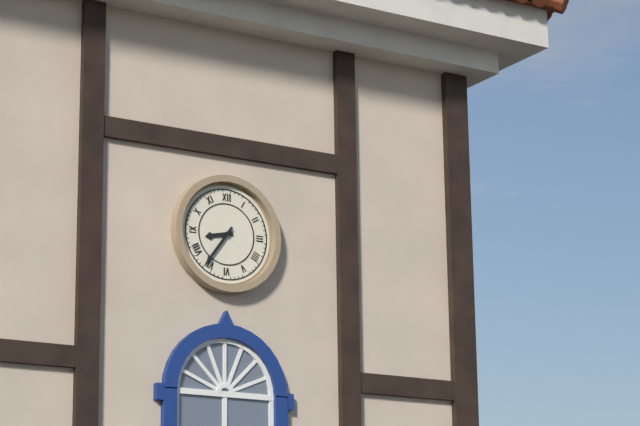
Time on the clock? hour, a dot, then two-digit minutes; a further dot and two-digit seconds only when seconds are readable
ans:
8.36
